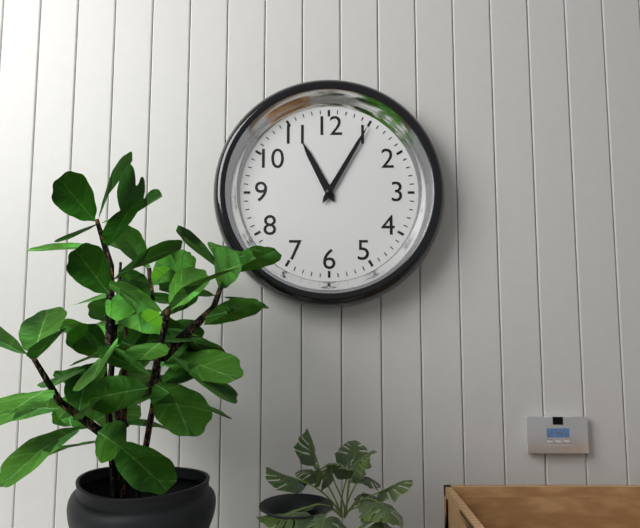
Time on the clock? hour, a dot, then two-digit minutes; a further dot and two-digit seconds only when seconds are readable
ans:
11.05
